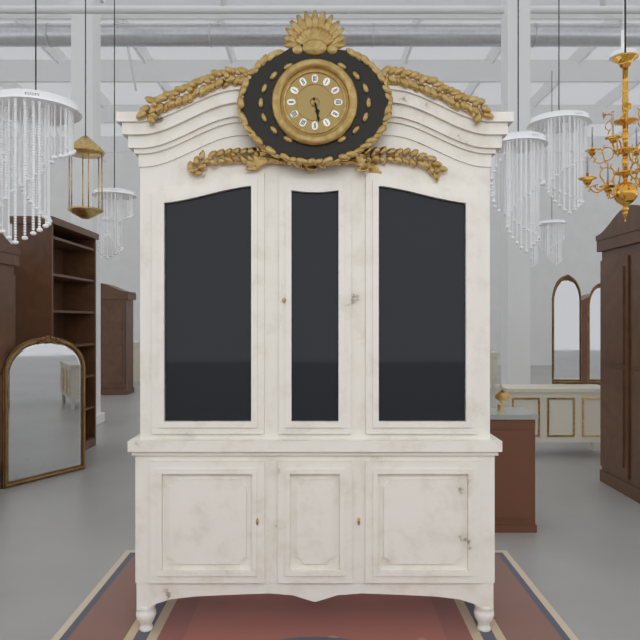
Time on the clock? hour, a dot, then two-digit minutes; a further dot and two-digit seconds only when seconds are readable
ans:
5.28
